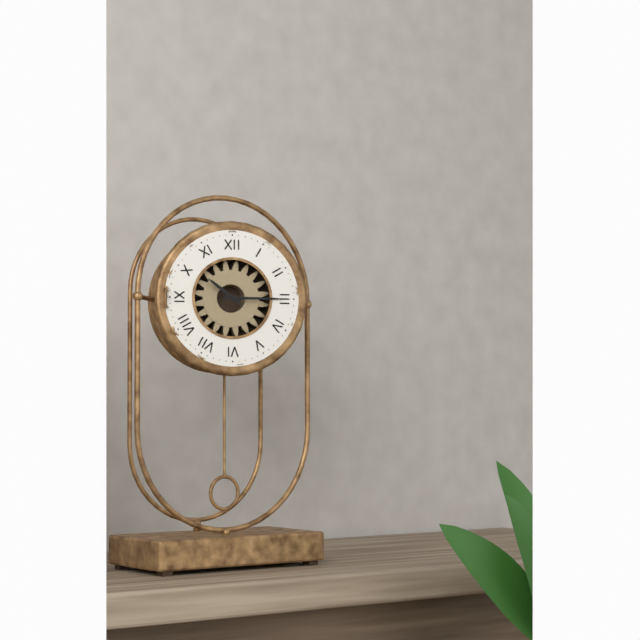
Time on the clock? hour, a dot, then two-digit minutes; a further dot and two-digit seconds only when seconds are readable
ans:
10.15
